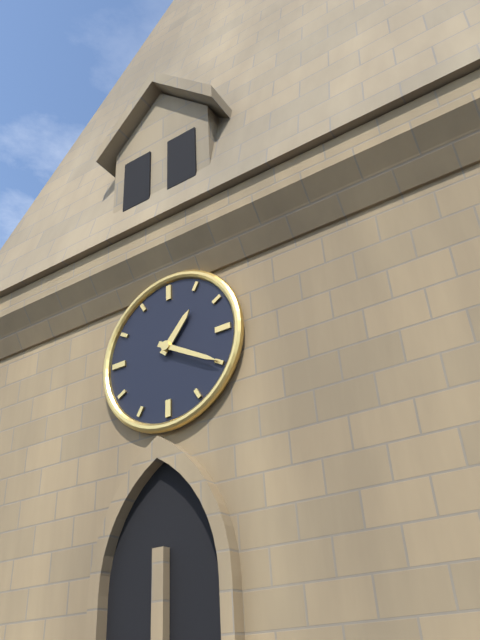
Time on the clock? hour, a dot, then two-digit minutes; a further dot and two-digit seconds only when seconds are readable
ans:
1.20
